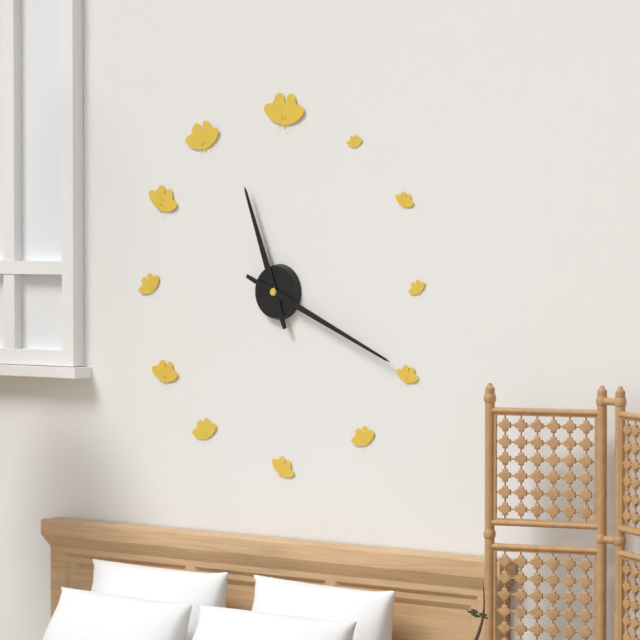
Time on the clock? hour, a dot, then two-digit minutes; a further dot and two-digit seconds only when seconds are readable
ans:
11.19
